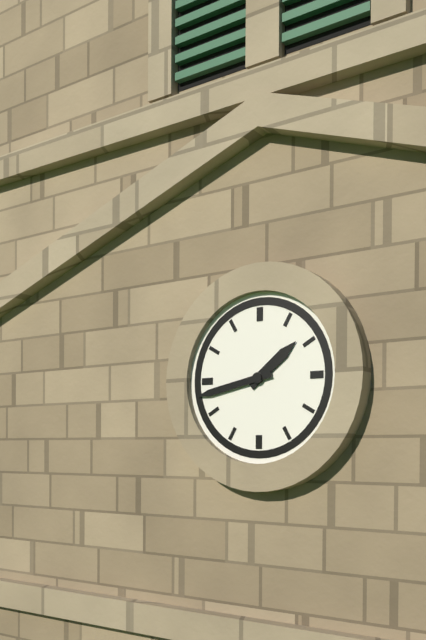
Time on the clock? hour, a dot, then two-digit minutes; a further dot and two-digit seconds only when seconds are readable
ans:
1.43
